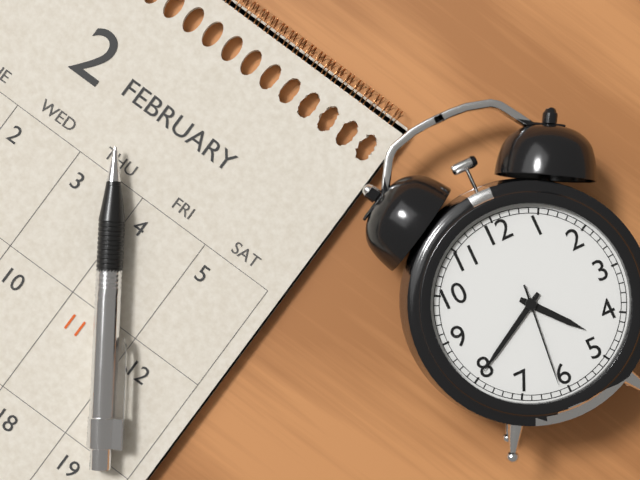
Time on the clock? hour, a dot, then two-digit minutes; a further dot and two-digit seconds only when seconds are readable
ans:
4.40.31
